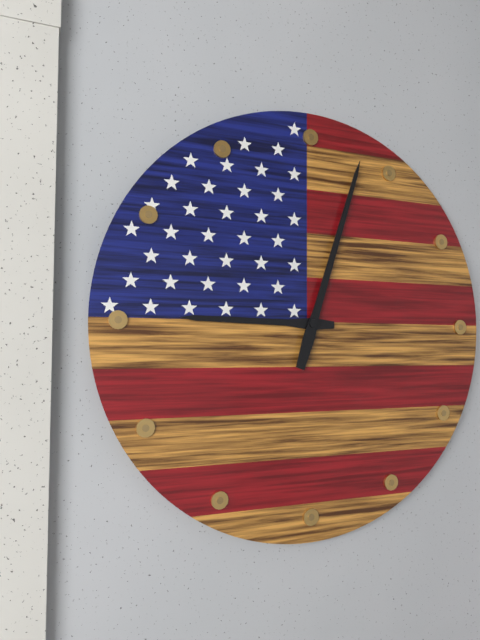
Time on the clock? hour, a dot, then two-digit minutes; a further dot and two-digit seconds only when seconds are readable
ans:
9.03
